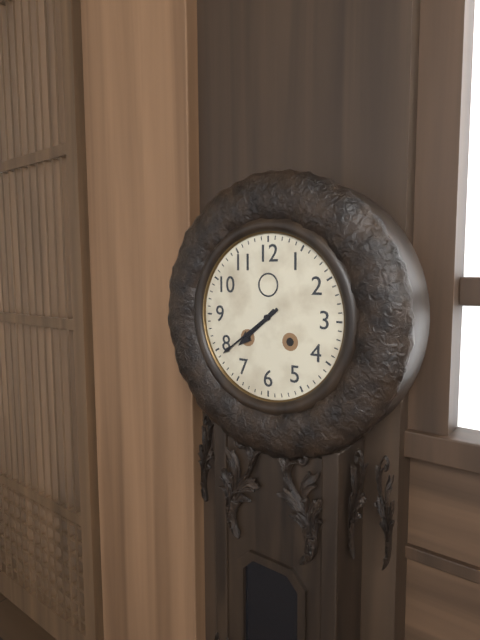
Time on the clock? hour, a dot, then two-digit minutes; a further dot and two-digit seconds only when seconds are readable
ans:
7.39
